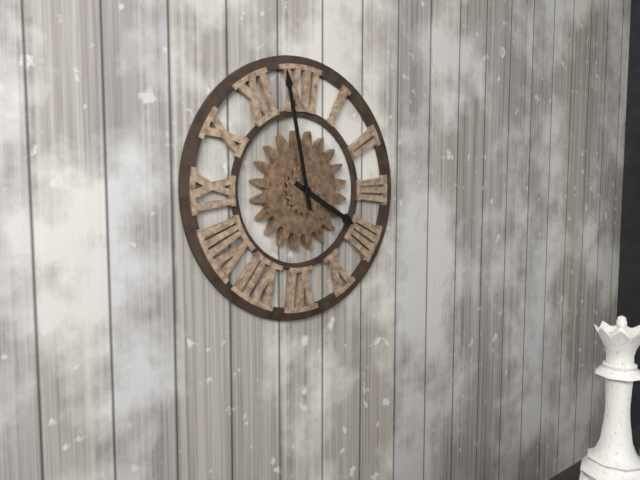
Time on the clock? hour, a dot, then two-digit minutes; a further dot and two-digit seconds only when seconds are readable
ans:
3.58
